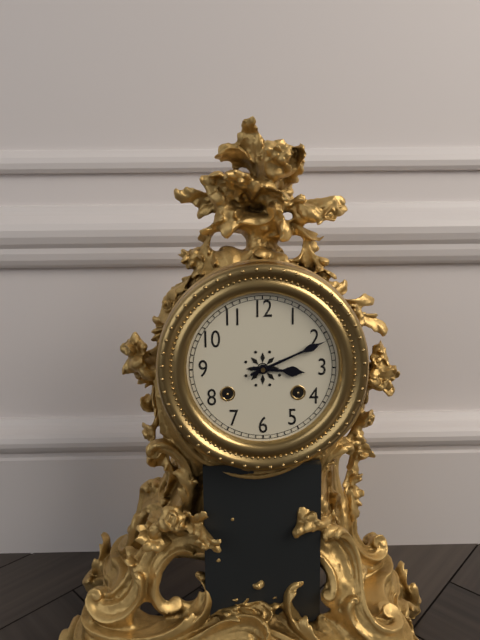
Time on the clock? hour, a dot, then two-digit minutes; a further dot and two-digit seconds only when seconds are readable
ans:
3.11
